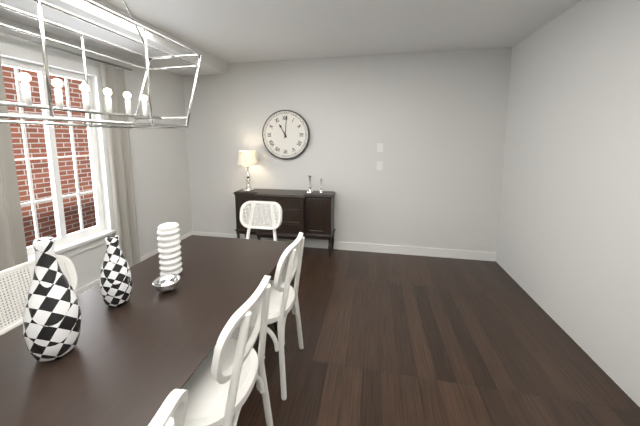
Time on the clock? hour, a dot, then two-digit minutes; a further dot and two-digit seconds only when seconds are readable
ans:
11.01
